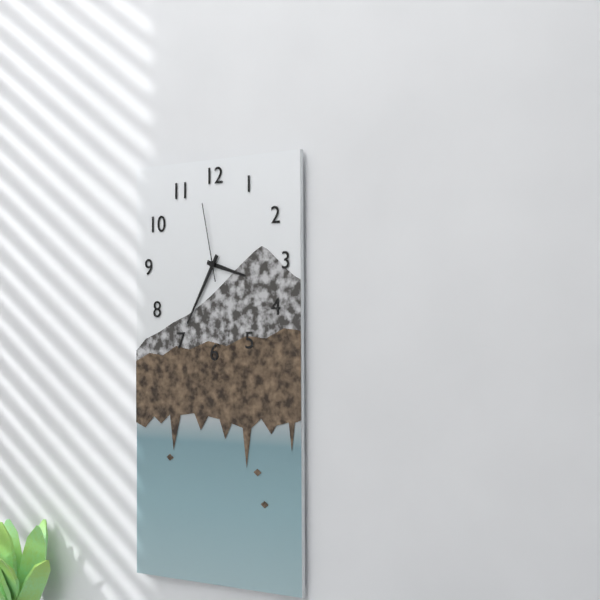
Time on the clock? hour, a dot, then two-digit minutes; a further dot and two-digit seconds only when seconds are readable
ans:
3.35.58
